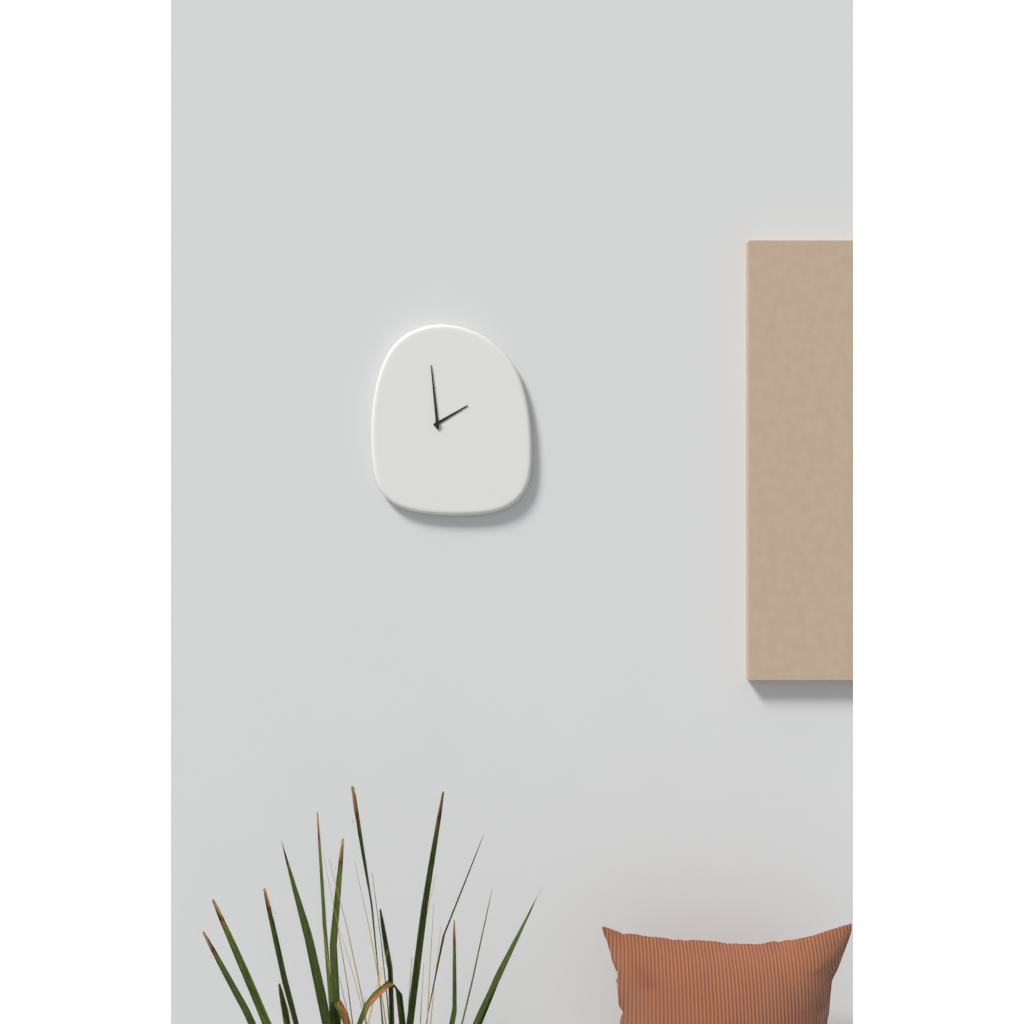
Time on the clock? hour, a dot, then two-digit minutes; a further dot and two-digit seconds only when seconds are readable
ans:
1.59
